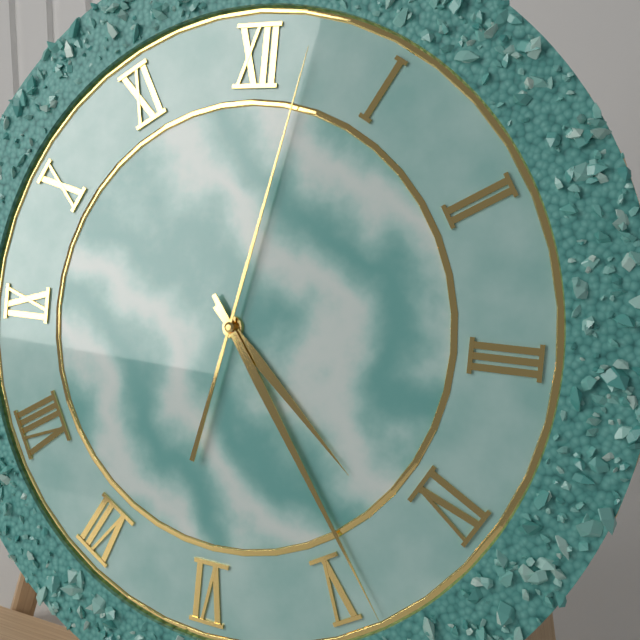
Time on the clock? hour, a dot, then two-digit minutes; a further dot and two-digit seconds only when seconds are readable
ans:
4.24.02
